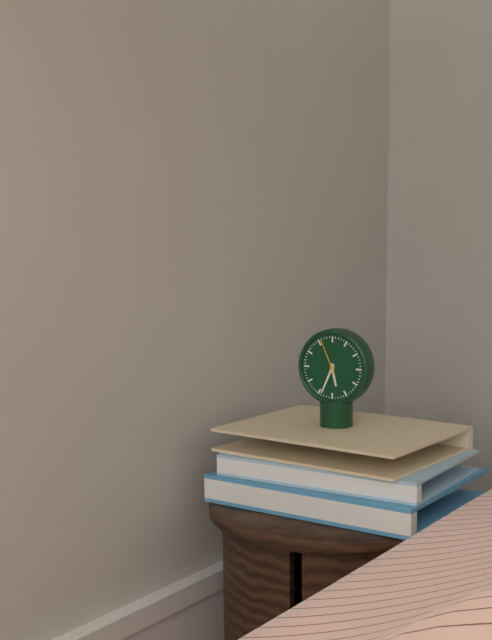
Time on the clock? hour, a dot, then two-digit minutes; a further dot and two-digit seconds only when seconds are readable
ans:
5.34
